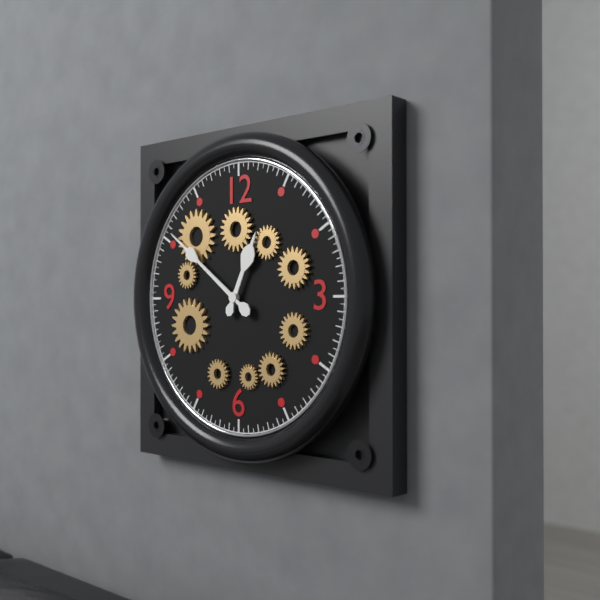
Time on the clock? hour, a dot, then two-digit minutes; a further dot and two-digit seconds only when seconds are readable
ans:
12.51
